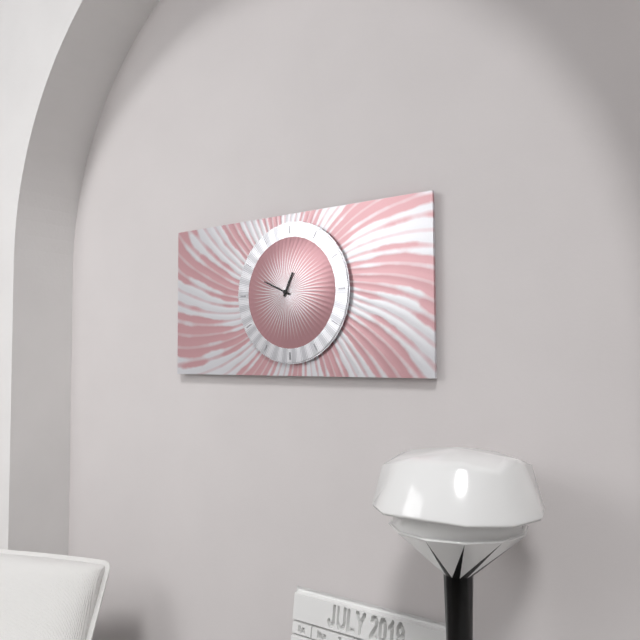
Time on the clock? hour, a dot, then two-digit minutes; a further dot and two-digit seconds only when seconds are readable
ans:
12.49
